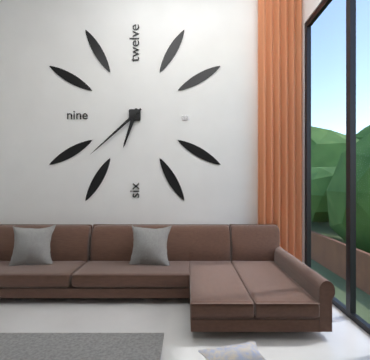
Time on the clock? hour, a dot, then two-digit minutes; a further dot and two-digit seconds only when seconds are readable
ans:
6.38
